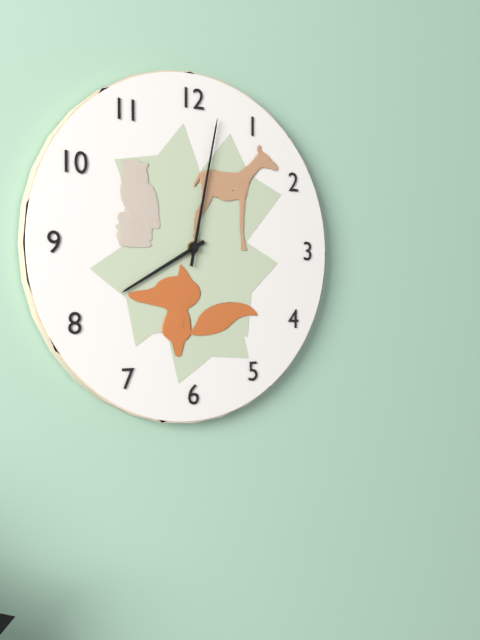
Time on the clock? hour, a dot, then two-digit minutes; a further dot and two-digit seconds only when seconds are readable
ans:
8.02
